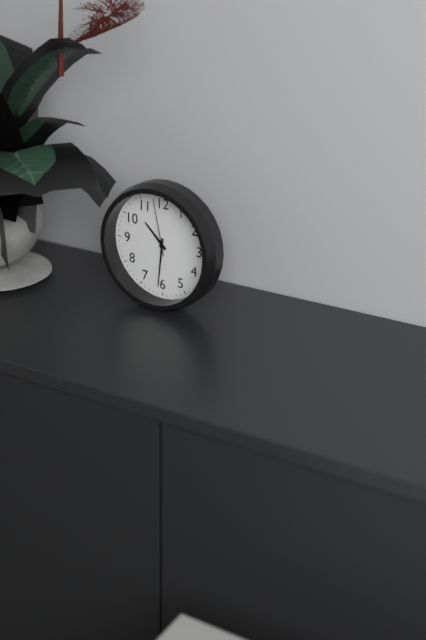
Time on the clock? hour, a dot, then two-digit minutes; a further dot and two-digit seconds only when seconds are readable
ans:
10.31.58
